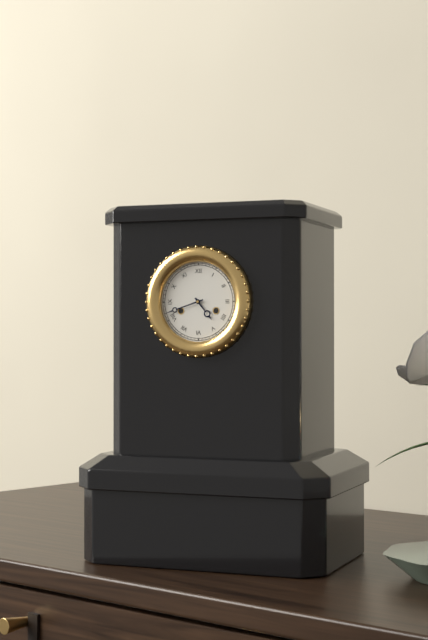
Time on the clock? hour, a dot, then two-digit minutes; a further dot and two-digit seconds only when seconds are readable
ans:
4.42
